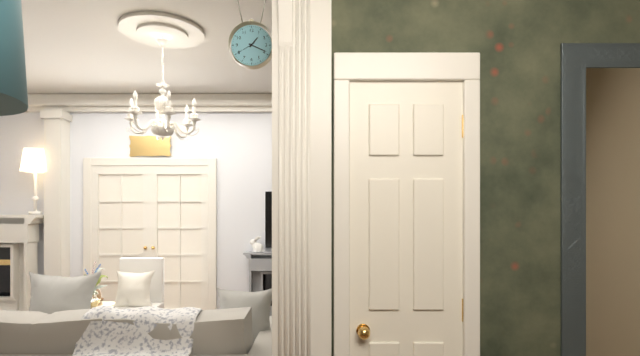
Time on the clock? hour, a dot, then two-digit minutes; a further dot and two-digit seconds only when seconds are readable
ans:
1.19
